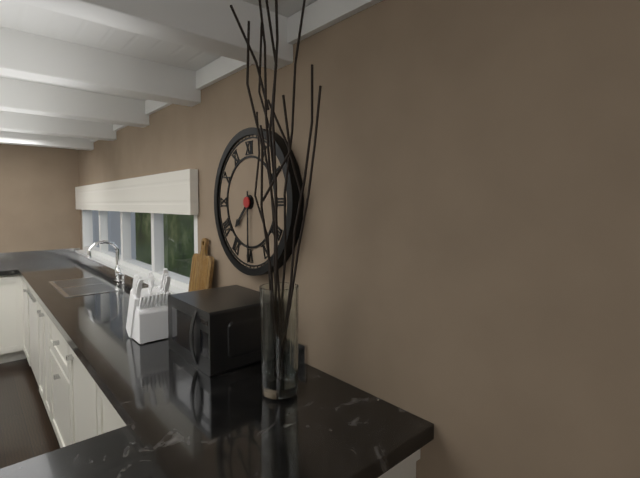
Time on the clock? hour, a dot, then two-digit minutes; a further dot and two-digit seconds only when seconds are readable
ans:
7.30
